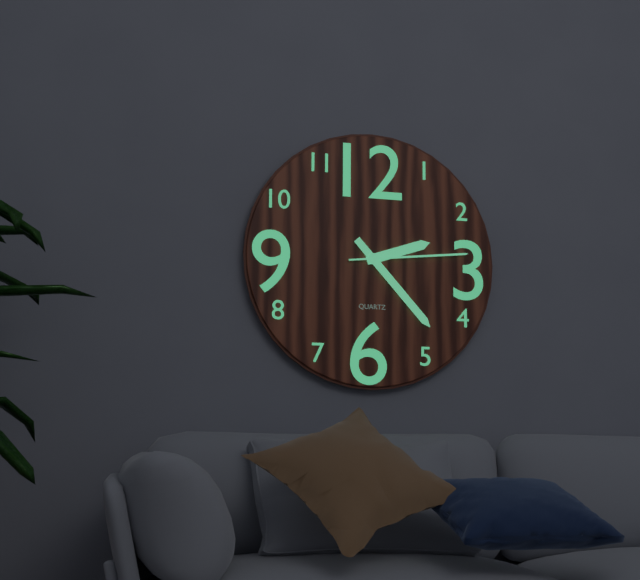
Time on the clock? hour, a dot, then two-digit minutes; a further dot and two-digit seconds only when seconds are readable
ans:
2.23.14
